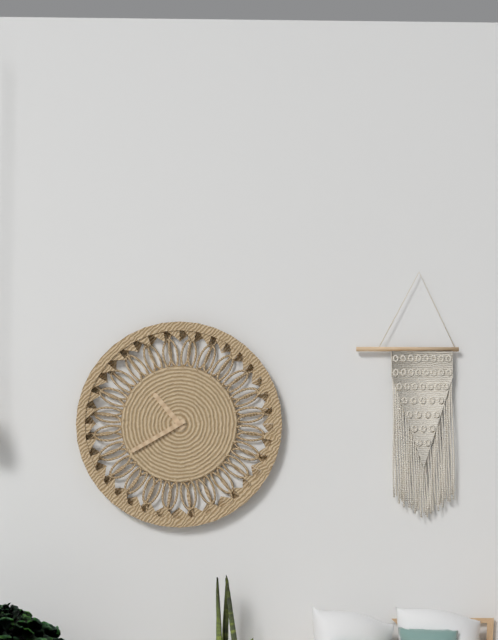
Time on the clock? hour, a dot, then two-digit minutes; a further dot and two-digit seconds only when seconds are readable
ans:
10.40
